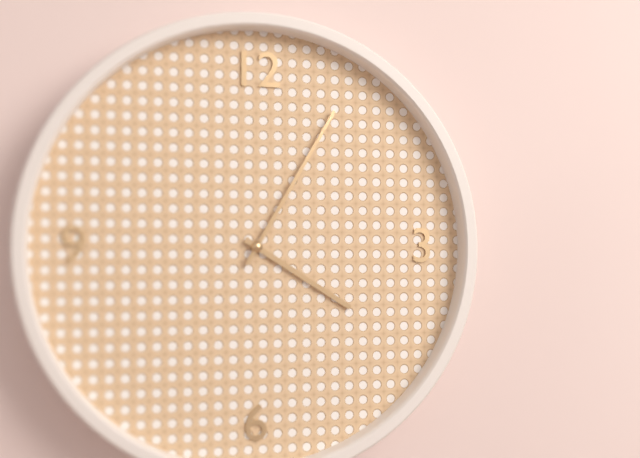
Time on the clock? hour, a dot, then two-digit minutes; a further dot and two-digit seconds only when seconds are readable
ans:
4.05
